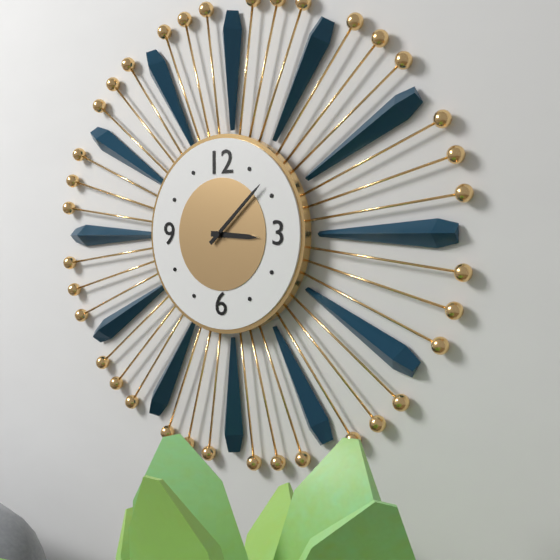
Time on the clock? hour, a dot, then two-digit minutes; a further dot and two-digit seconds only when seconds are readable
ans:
3.08
